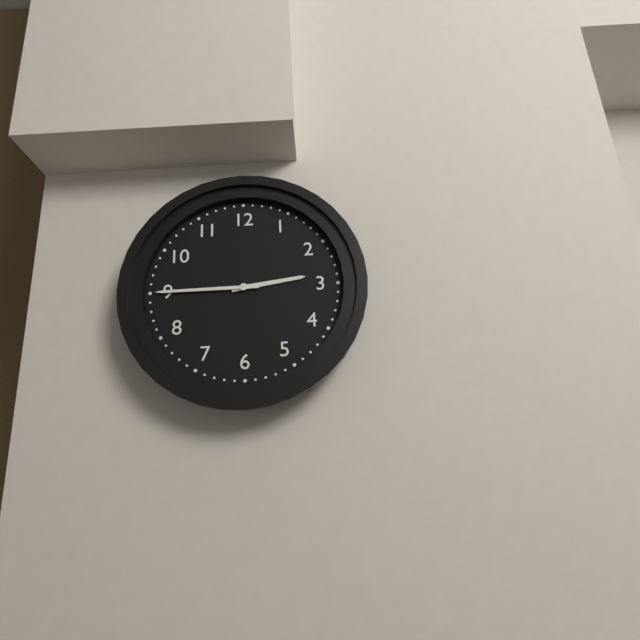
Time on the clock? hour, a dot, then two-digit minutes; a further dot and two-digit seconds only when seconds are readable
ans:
2.45
